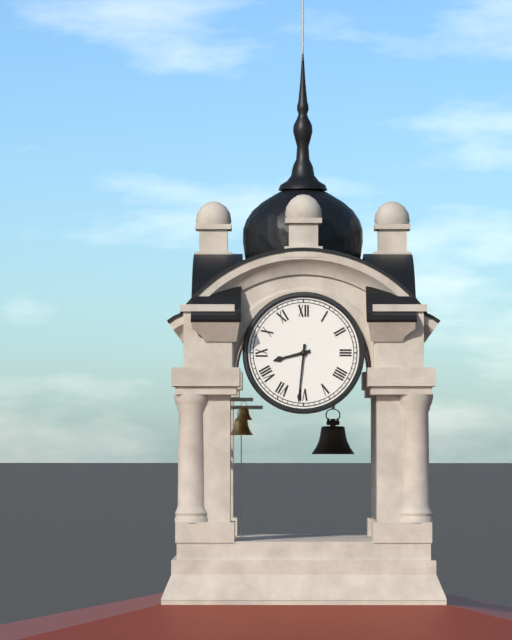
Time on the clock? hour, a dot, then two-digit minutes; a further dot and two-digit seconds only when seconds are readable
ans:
8.31
